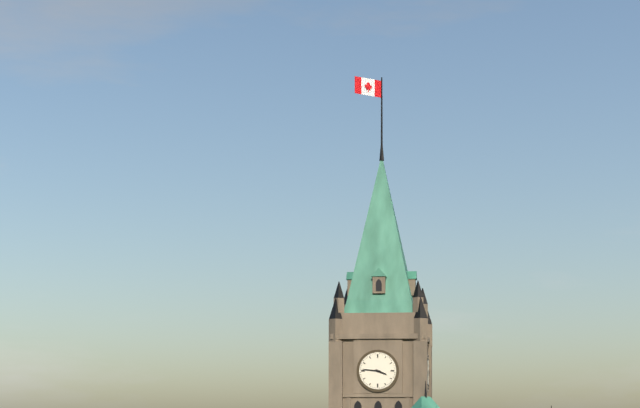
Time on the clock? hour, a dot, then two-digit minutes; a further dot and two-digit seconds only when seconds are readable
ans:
3.46
